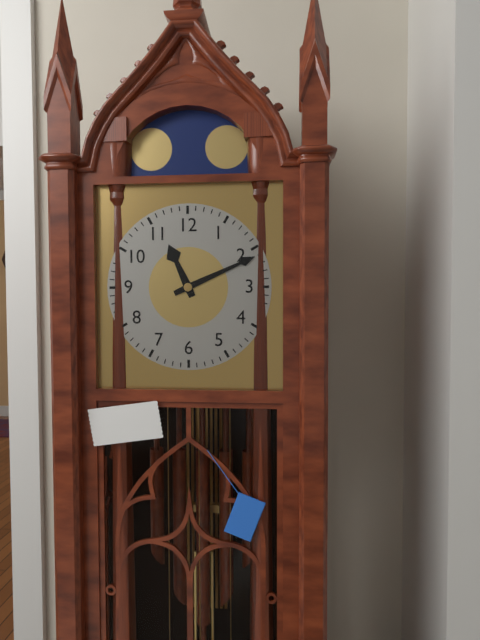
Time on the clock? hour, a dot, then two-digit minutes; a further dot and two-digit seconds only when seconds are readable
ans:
11.11
